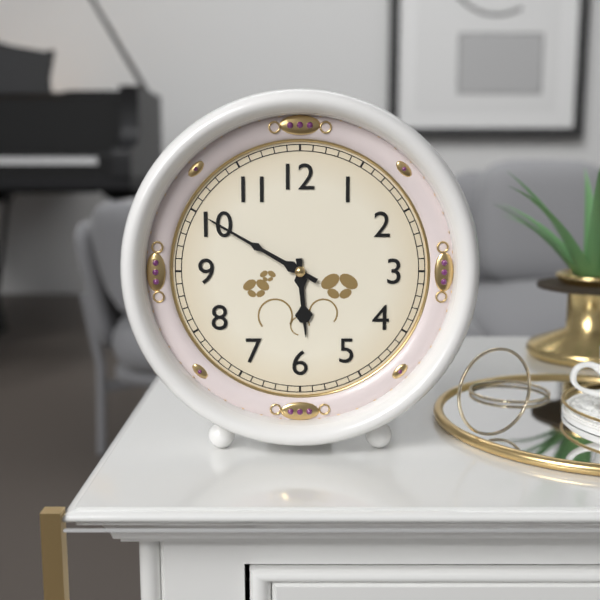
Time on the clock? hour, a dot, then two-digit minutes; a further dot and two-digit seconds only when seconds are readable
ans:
5.50
